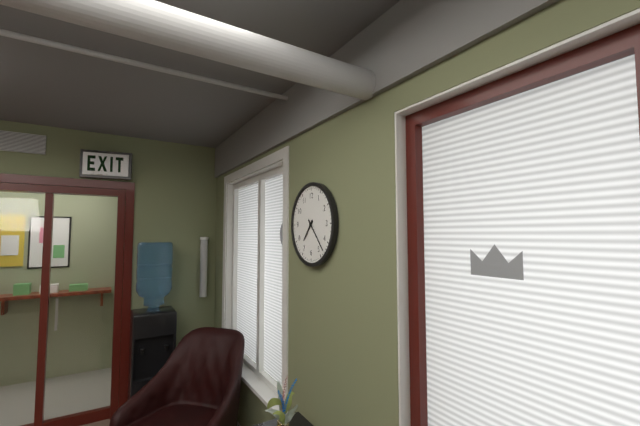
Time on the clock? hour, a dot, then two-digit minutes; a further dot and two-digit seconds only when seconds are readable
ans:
7.23
